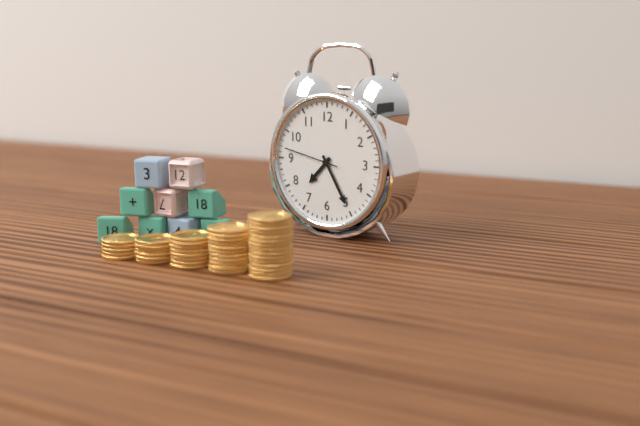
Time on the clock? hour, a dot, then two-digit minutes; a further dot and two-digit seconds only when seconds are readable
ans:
7.25.47
